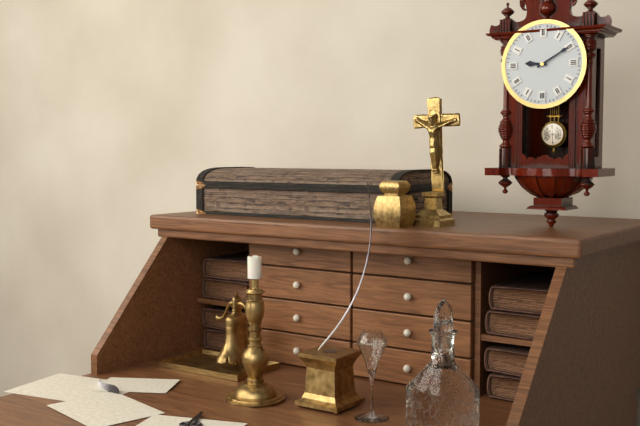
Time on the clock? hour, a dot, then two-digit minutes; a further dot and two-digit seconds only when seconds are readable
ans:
9.10
